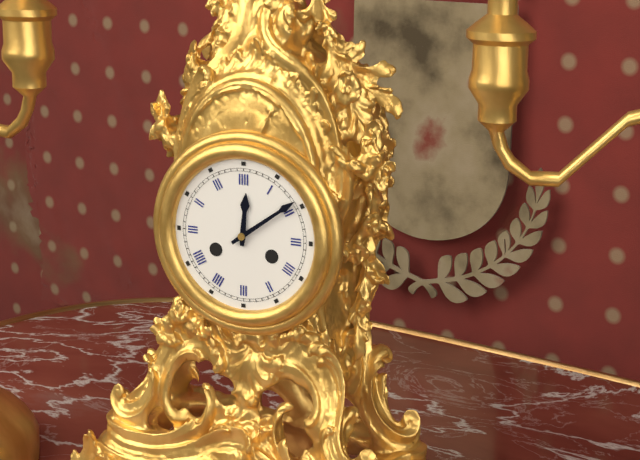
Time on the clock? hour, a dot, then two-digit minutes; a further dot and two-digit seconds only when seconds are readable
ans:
12.09
